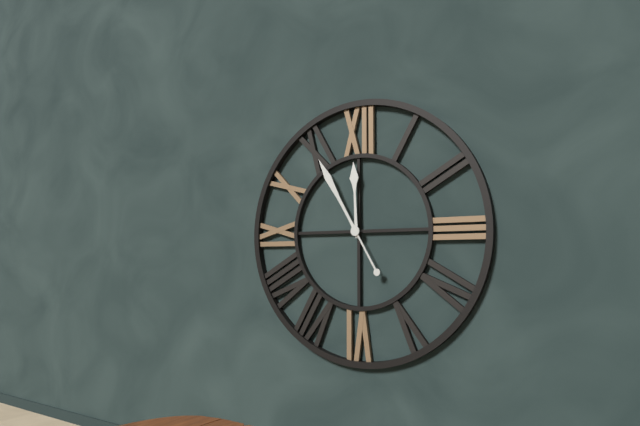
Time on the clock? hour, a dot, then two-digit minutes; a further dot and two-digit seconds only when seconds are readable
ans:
11.55
